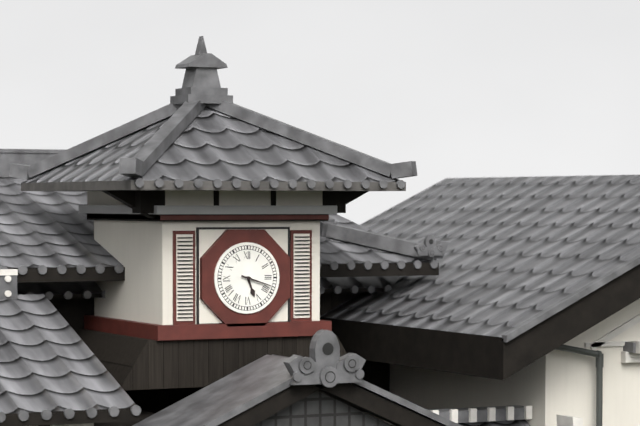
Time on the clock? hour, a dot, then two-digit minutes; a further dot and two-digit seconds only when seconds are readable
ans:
5.18
